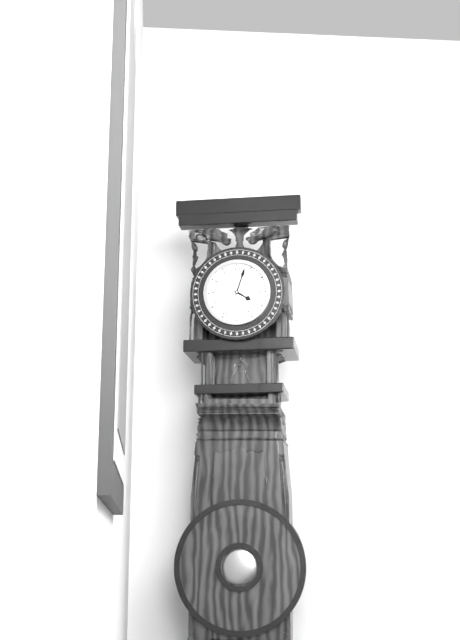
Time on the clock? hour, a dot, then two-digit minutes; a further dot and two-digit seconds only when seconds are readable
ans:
4.03
